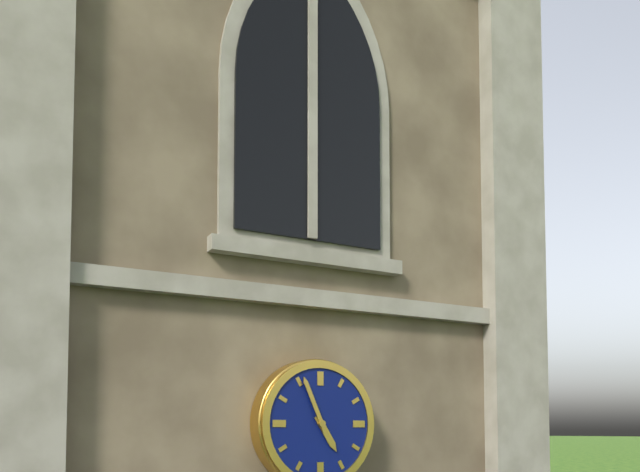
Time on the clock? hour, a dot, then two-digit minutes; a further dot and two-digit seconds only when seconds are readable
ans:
4.56
